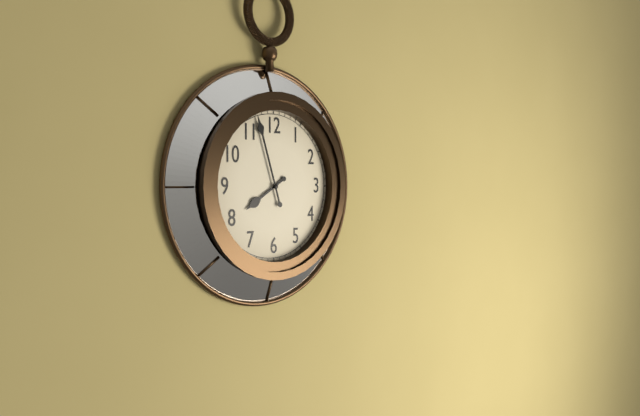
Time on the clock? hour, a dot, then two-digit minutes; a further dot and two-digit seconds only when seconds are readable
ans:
7.57
